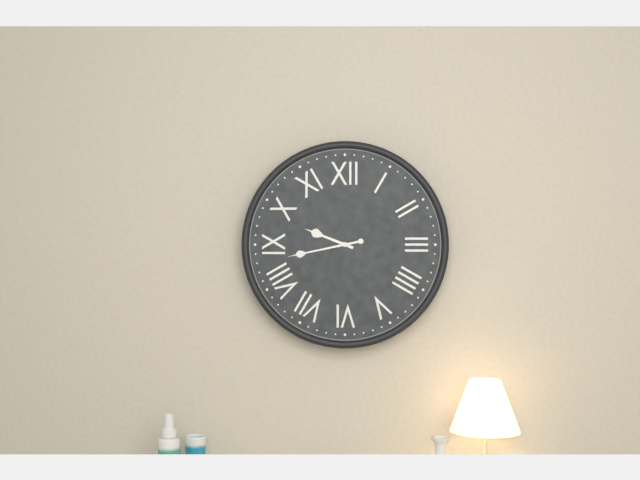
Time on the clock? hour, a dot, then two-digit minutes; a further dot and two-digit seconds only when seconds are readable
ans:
9.43
